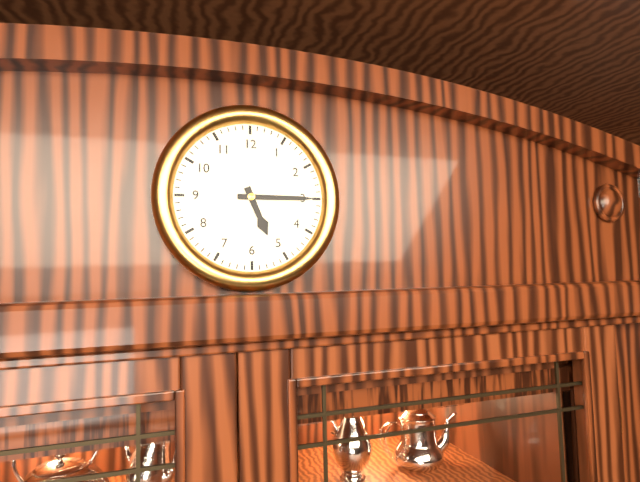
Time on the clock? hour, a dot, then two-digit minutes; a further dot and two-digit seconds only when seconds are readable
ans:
5.15
